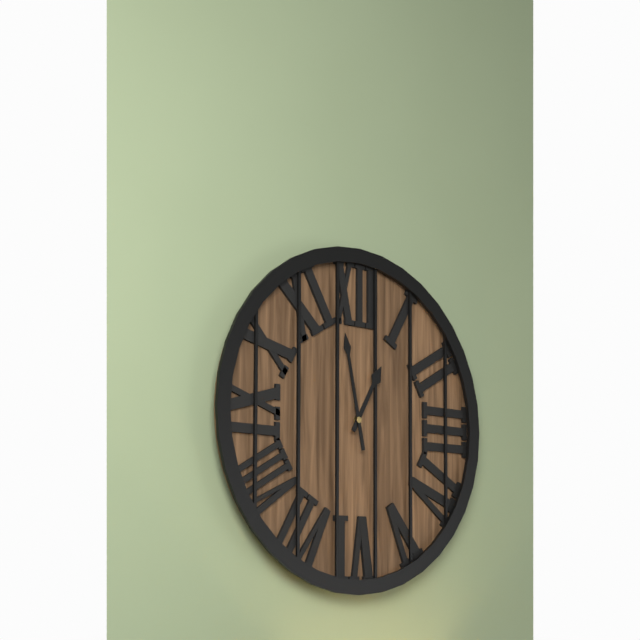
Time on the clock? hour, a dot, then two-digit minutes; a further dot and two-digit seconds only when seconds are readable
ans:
12.58
